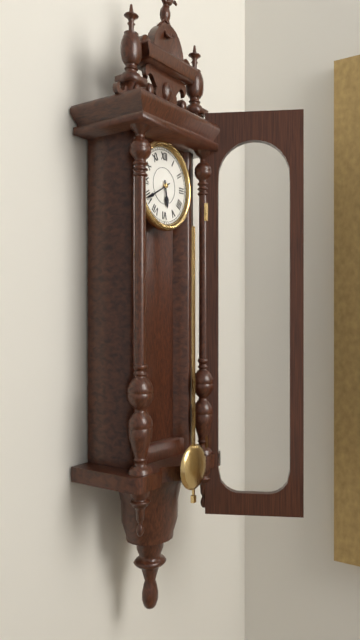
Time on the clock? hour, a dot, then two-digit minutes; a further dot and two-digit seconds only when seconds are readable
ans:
5.40
